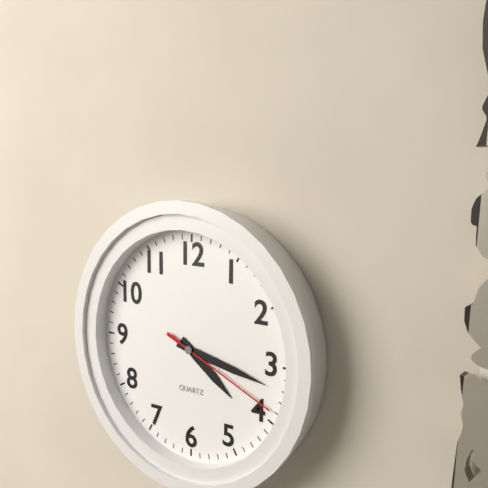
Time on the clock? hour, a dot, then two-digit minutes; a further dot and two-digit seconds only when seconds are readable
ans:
4.17.19
